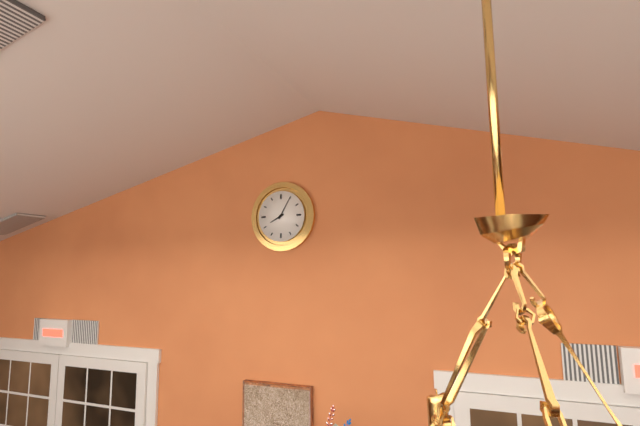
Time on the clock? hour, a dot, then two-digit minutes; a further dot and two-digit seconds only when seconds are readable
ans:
8.05
